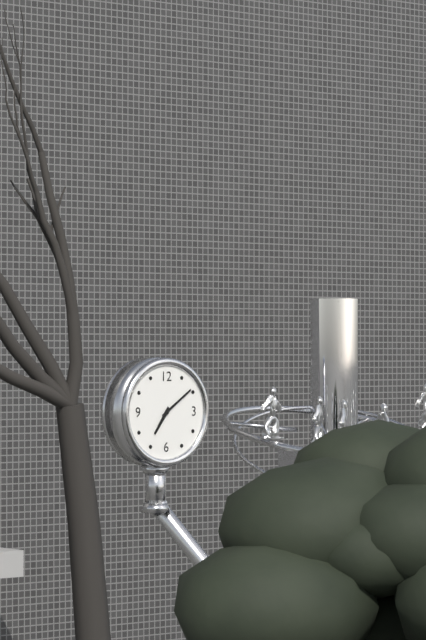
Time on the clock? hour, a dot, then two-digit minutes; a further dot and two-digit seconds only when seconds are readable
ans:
7.09
